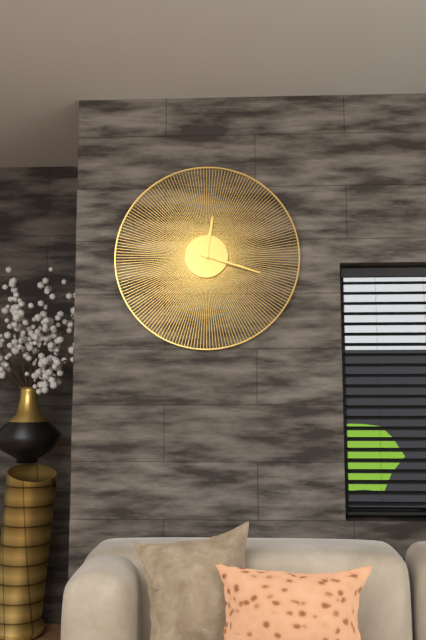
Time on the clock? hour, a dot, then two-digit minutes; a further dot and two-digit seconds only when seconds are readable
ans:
12.18
